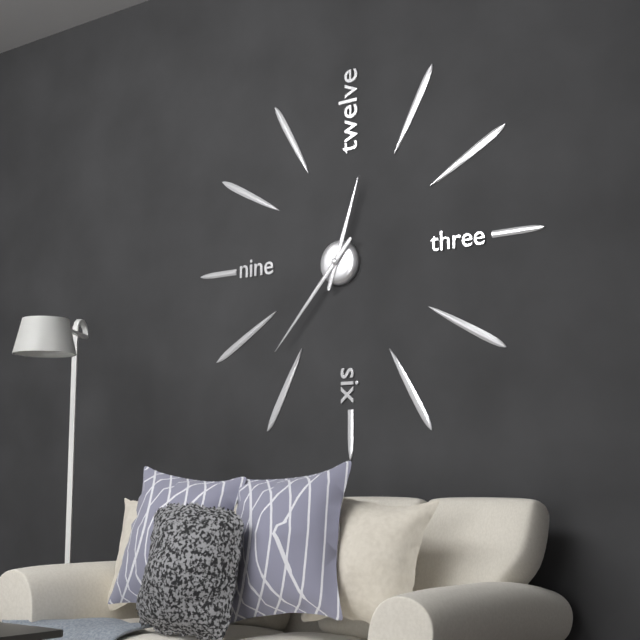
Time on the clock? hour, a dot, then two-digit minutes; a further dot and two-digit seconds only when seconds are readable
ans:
12.37
